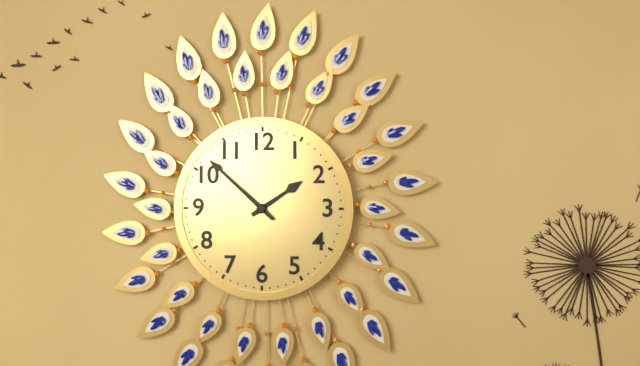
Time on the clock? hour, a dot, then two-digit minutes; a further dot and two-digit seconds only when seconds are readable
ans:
1.52
